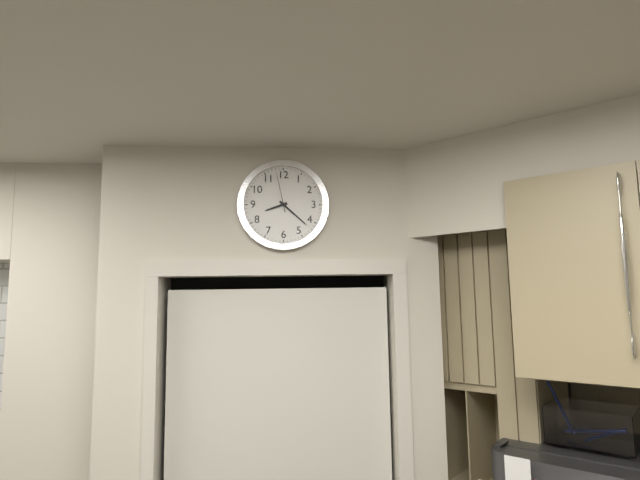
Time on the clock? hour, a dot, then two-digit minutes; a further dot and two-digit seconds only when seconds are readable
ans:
8.22
